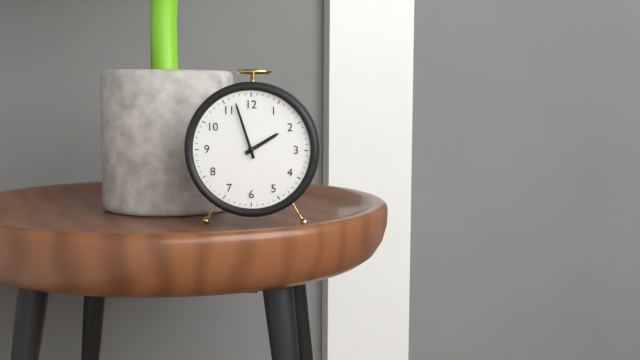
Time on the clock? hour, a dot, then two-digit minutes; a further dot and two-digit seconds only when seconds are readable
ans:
1.57
